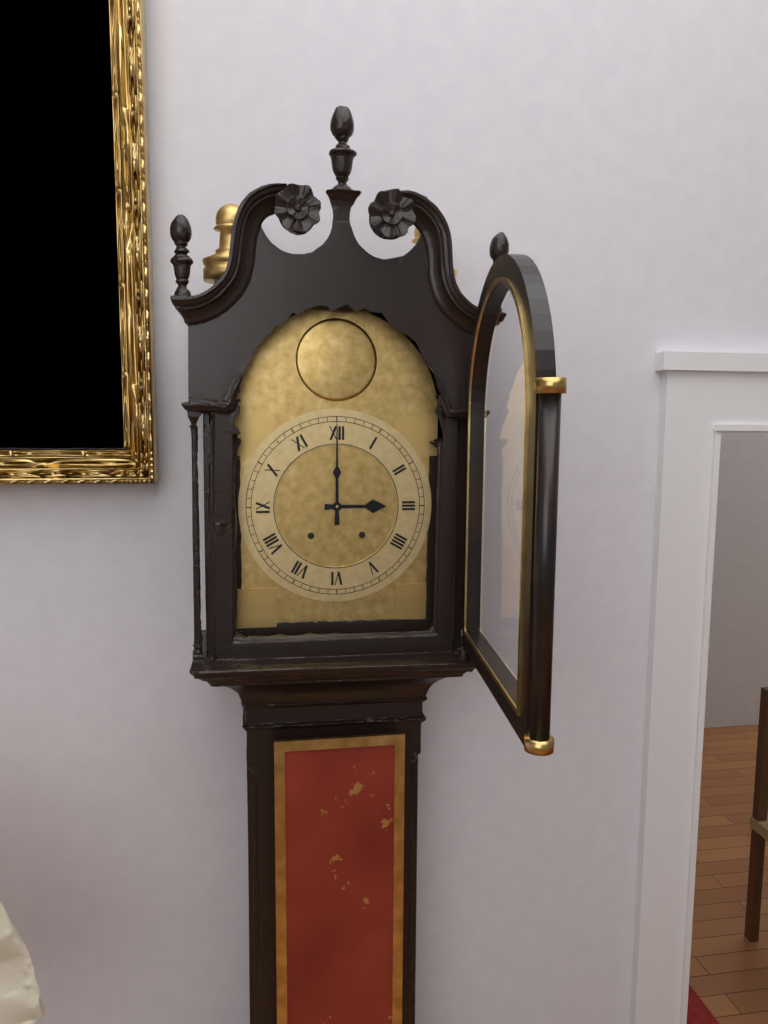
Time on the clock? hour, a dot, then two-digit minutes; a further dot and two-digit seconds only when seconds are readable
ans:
3.00
